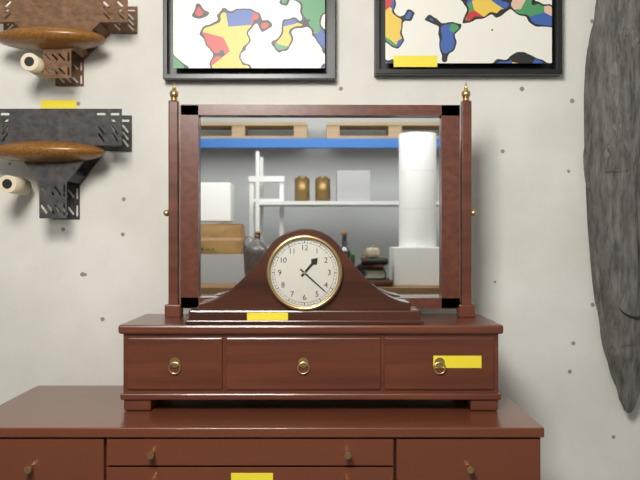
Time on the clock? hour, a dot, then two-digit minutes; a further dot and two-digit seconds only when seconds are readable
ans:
1.22
